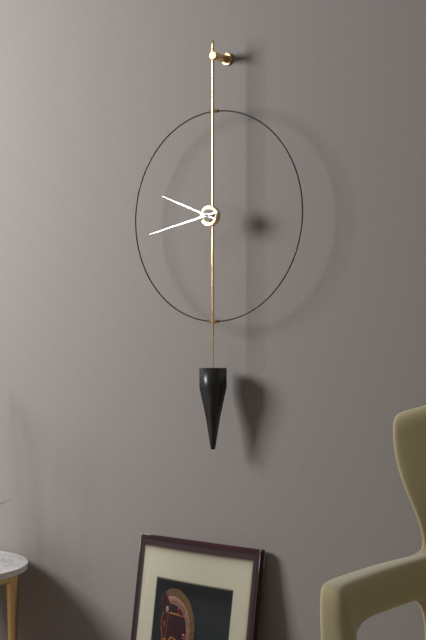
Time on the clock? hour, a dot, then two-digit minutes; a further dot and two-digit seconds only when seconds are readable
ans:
9.43
